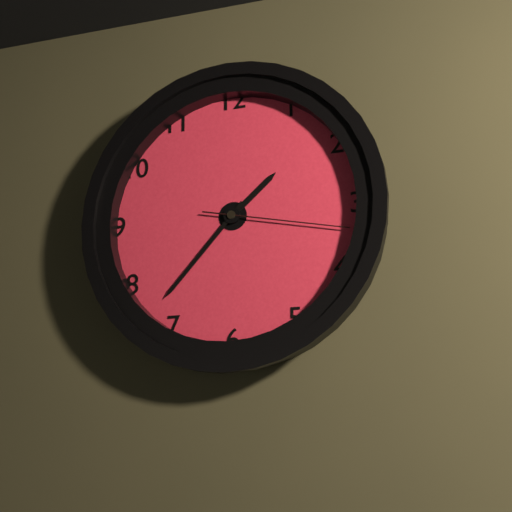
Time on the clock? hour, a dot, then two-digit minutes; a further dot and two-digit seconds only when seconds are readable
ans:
1.37.17
